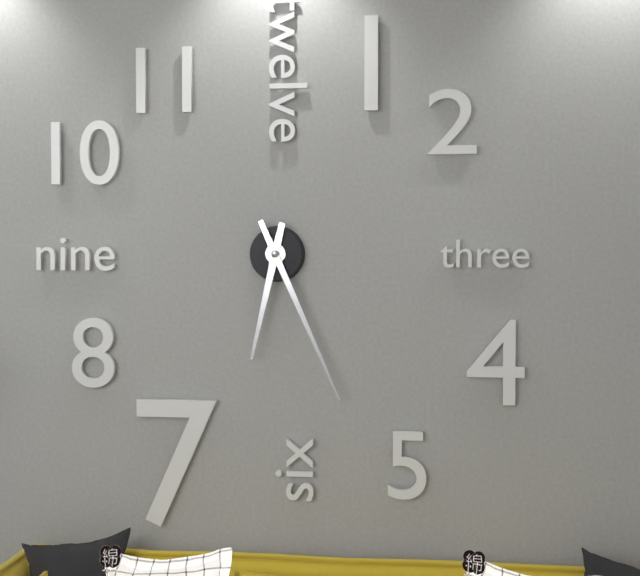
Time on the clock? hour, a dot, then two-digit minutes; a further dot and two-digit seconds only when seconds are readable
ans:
6.26
